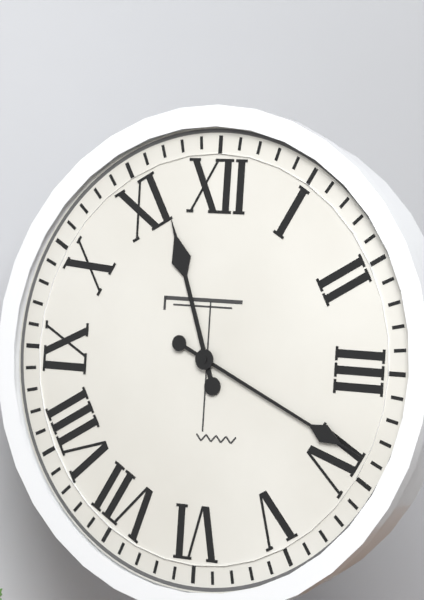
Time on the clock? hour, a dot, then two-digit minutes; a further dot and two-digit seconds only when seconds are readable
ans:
11.19
